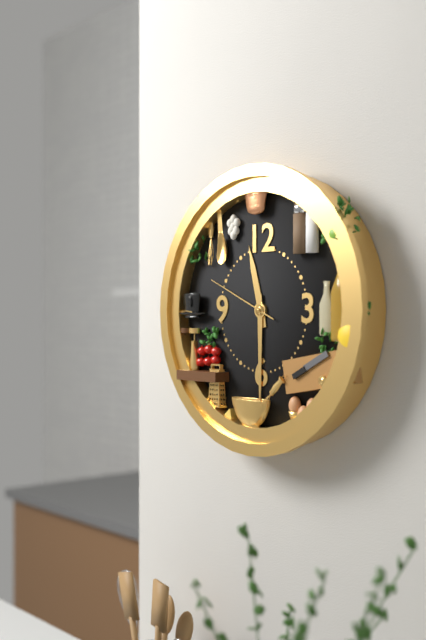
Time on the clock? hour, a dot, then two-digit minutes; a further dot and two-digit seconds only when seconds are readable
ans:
11.30.49
